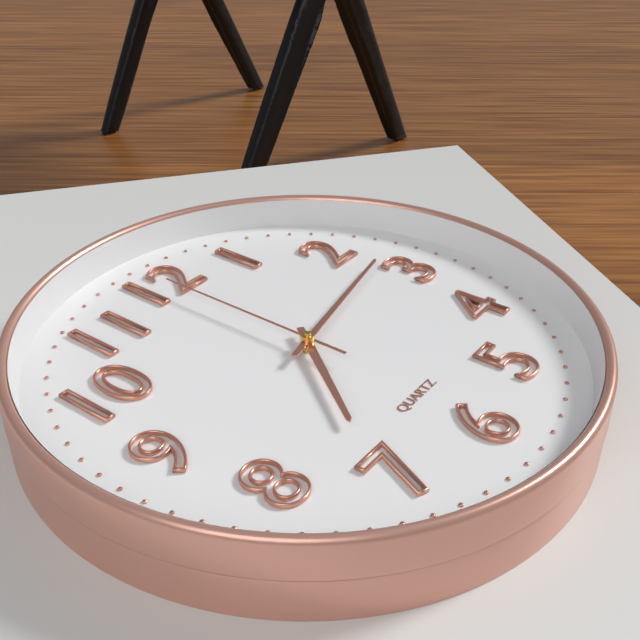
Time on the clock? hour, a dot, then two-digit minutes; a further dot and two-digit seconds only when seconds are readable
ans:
7.13.00
